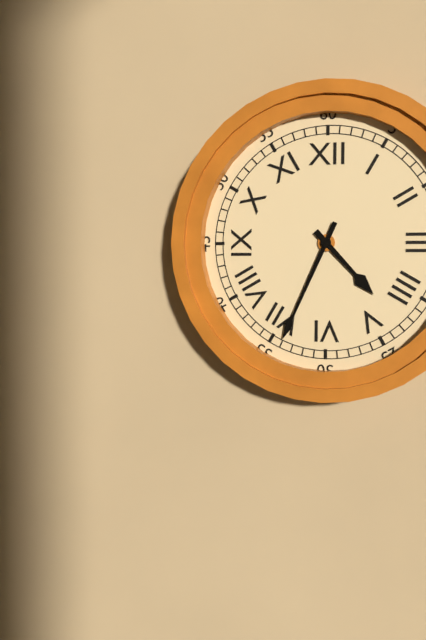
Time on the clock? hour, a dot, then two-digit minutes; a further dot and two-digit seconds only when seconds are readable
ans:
4.34
